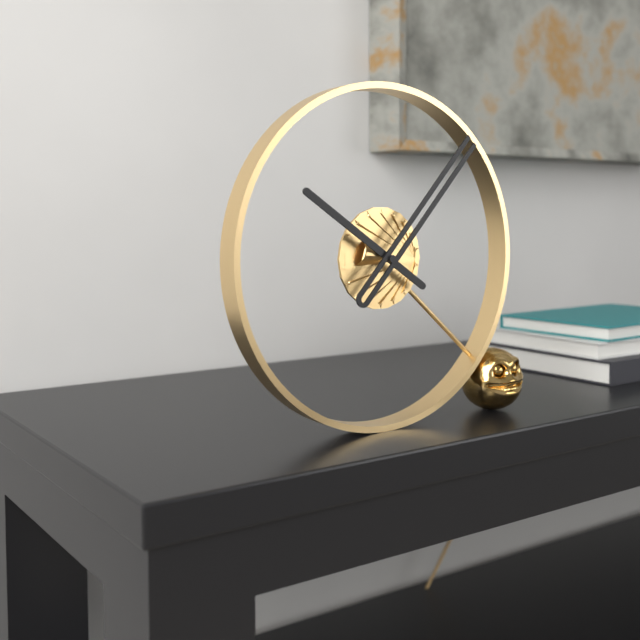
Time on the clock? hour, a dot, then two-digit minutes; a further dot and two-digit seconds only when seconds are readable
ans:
10.07
